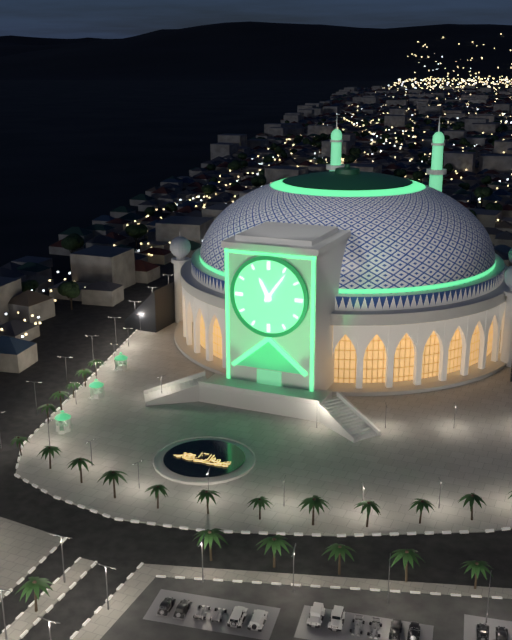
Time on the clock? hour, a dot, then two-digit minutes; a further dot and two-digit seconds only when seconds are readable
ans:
11.06
